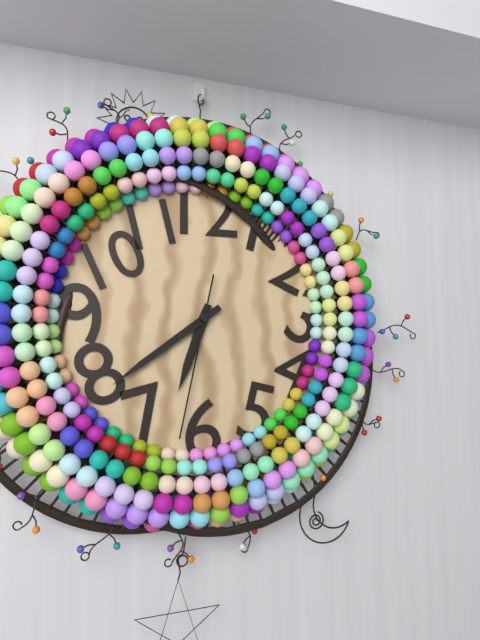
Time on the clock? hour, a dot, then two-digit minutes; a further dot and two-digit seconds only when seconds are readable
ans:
6.39.32
